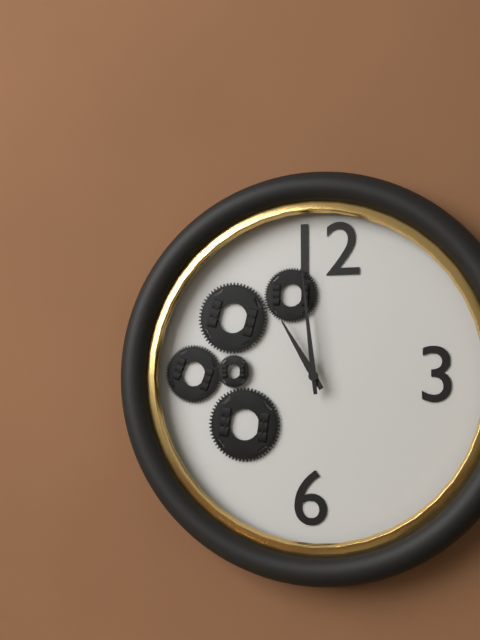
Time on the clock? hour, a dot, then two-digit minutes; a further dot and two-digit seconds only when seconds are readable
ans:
10.59
